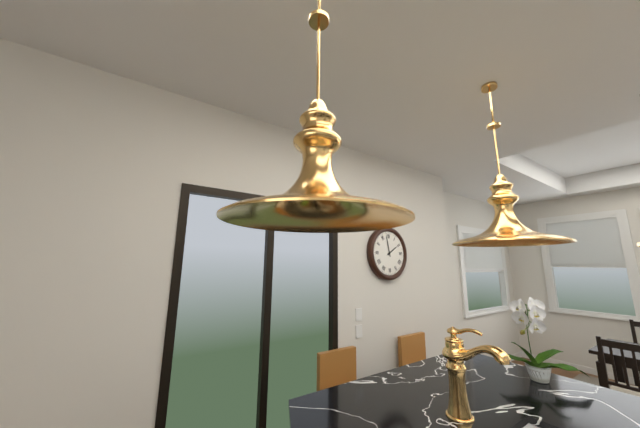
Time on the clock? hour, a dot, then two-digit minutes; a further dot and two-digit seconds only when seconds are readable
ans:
1.58
